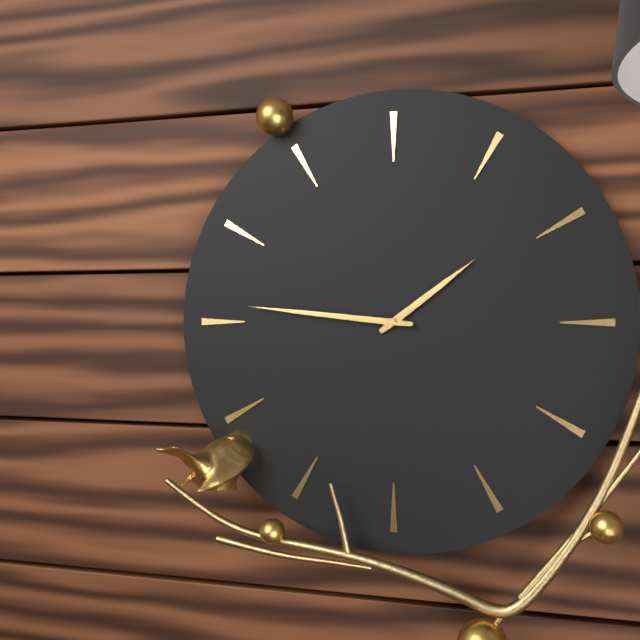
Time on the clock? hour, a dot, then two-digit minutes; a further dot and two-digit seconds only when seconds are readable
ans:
1.46
